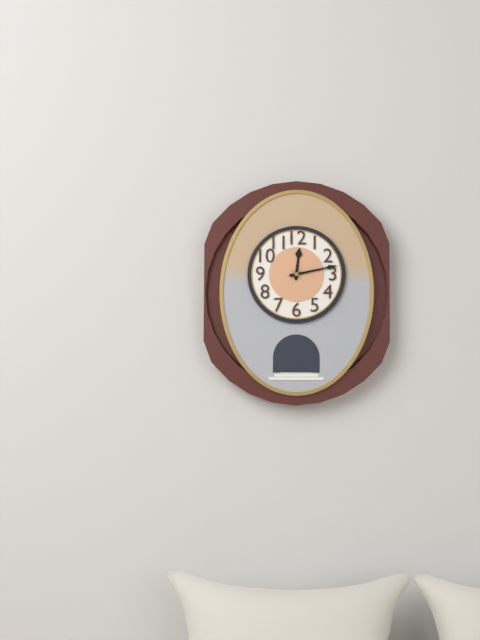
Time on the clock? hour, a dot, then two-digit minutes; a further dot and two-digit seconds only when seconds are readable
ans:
12.13
